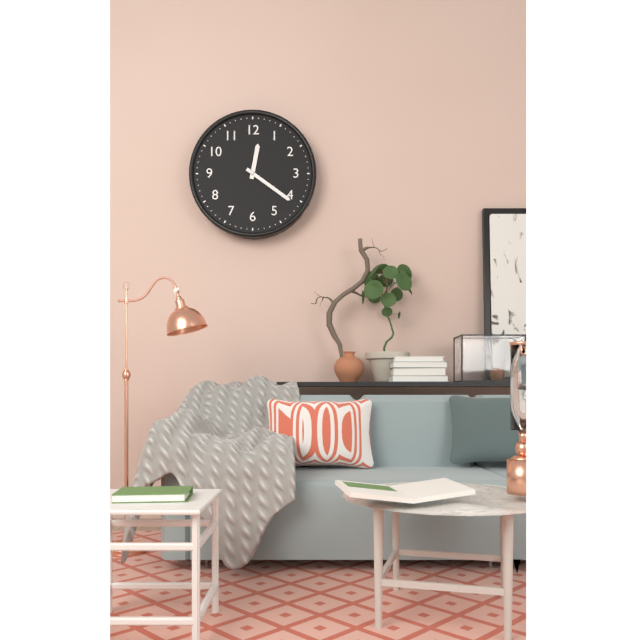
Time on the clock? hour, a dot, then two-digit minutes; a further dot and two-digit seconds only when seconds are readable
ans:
12.21
